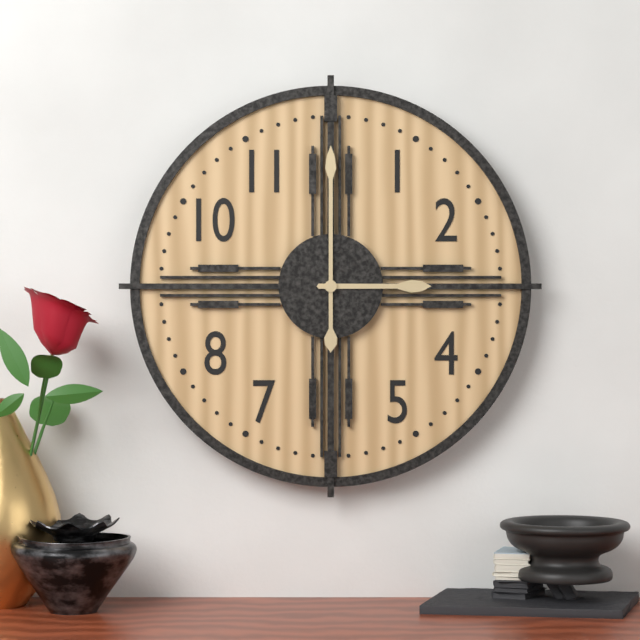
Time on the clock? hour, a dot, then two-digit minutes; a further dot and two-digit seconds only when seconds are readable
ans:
3.00
